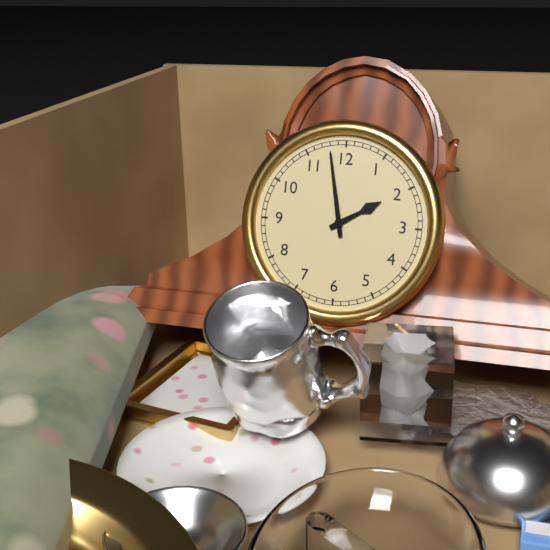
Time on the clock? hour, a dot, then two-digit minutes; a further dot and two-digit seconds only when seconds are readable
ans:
1.58
